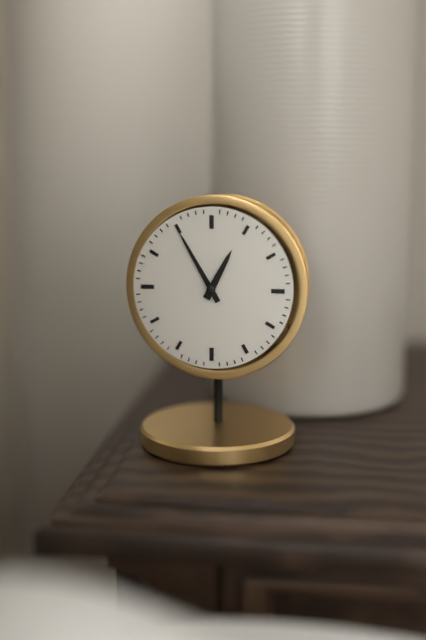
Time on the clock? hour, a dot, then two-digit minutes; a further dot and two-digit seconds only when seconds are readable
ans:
12.55
